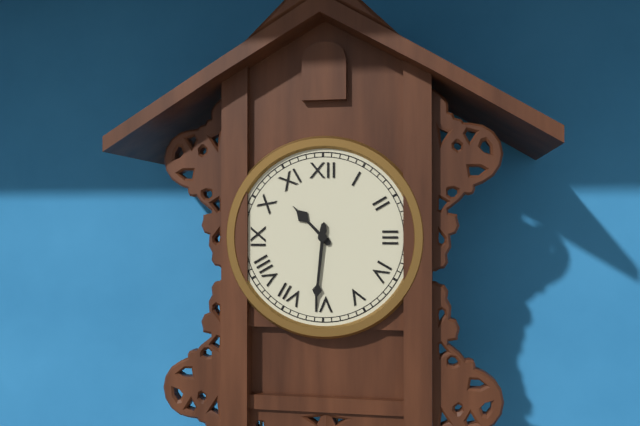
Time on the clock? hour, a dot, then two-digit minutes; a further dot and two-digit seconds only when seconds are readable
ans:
10.31
